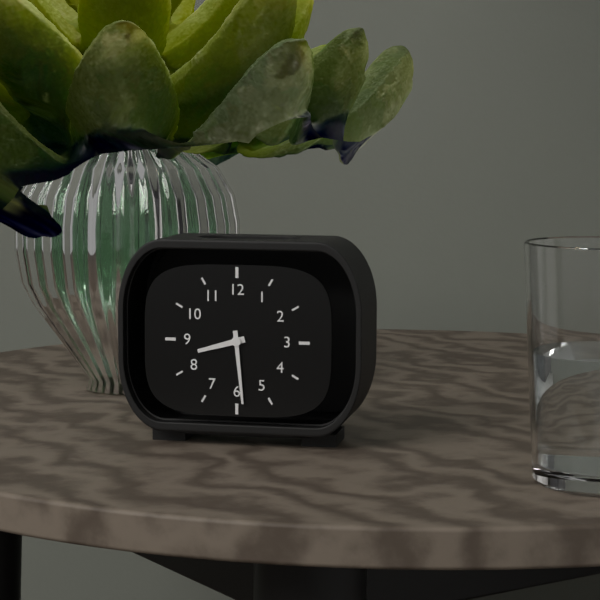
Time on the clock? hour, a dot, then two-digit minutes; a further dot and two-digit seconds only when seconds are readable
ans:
8.29
